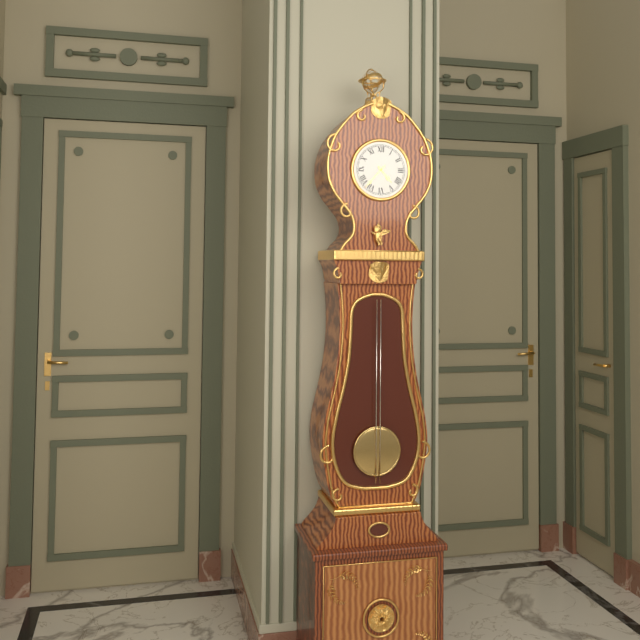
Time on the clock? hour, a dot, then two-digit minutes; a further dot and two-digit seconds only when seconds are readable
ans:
4.37
